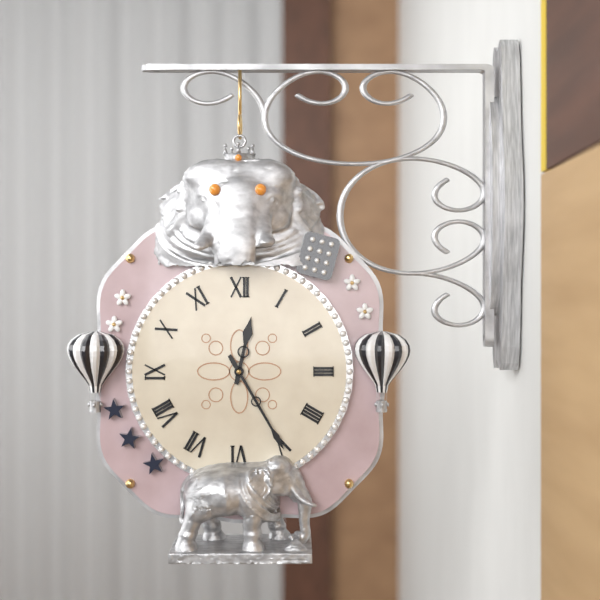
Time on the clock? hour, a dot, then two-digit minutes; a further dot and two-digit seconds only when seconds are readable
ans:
12.25
